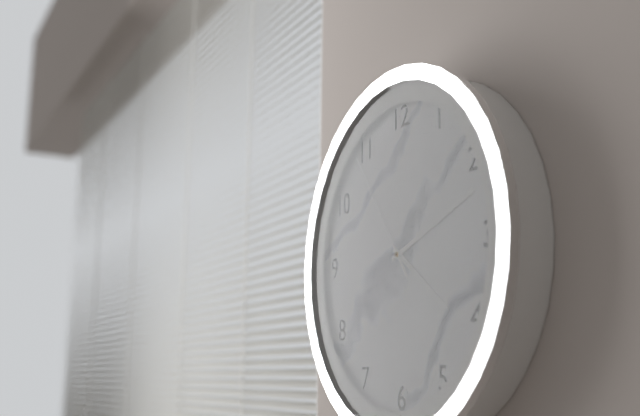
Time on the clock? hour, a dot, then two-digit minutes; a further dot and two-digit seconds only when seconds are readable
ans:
4.12.54
